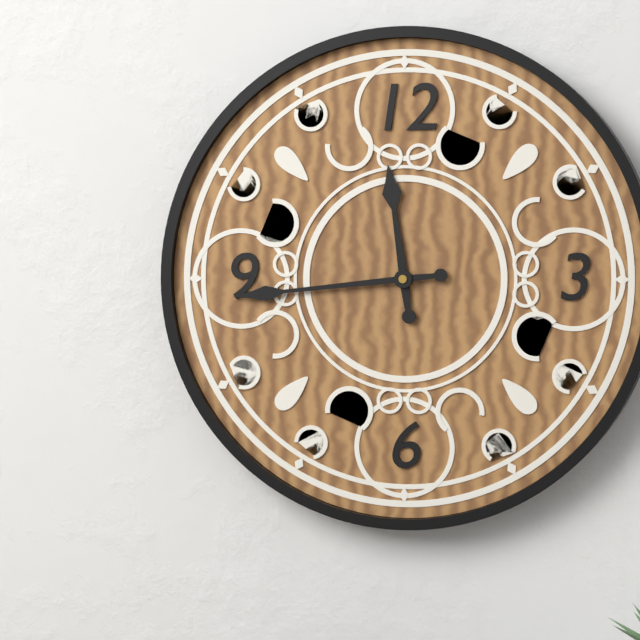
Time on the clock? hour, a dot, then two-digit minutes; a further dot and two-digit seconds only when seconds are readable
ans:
11.44
